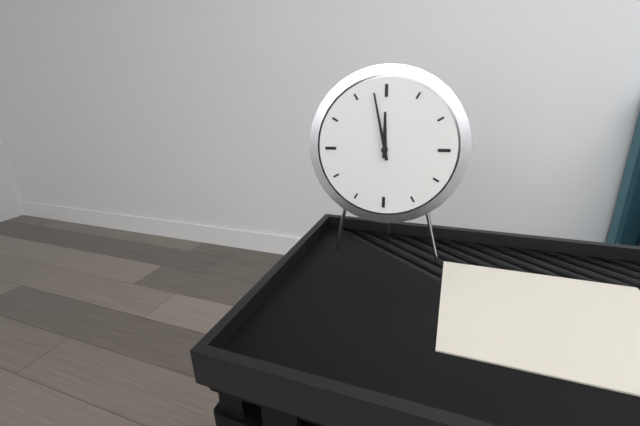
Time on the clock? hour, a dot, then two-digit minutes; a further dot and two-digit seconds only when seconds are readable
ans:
11.58
